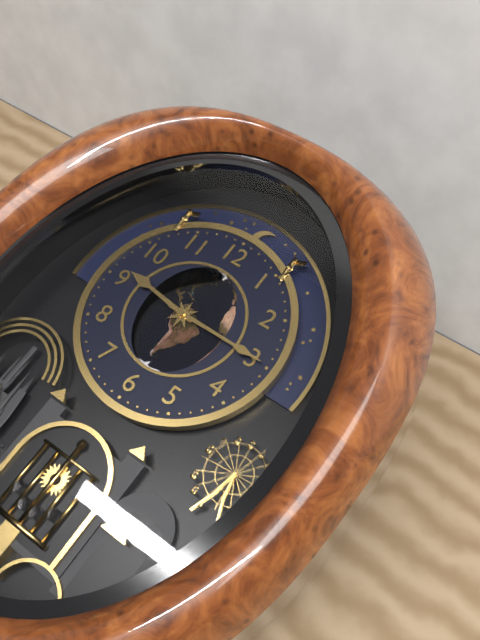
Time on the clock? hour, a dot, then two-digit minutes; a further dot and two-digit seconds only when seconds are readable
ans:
9.15
